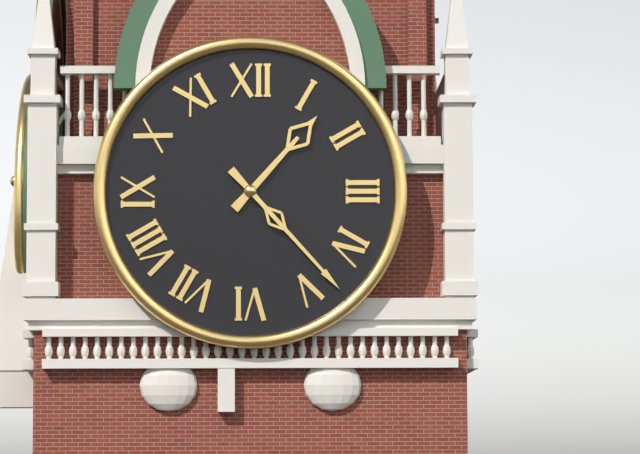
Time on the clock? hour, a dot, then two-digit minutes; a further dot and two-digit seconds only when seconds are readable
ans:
1.23
